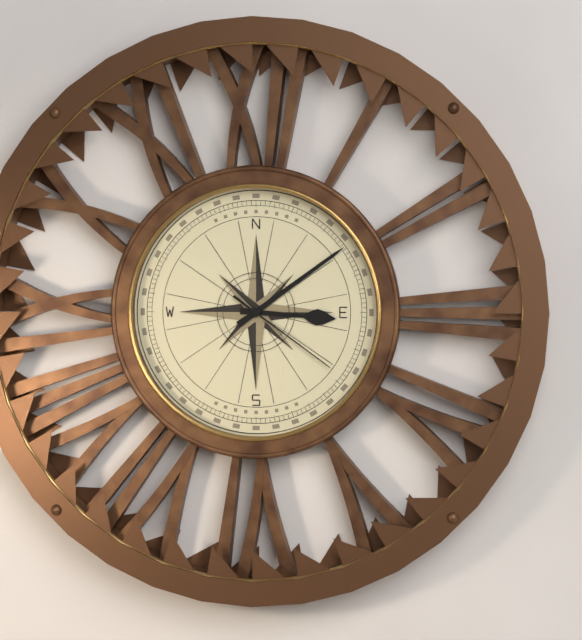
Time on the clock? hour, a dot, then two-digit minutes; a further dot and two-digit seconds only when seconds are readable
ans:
3.09.21
